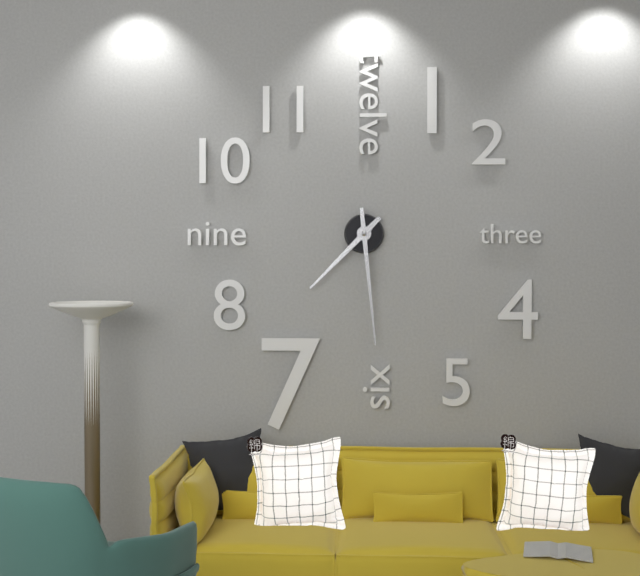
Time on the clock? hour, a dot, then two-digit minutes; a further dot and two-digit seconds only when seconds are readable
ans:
7.29
